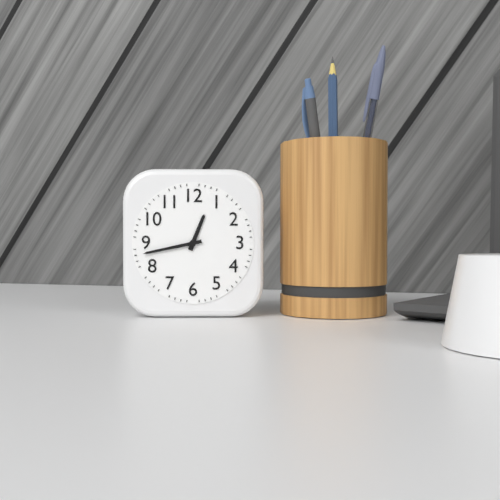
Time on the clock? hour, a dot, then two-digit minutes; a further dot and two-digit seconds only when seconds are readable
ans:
12.43
